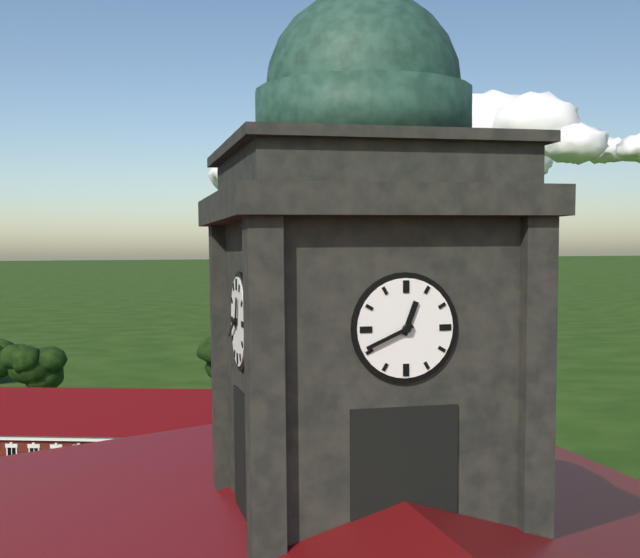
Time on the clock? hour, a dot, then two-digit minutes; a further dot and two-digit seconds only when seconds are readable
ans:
12.41
